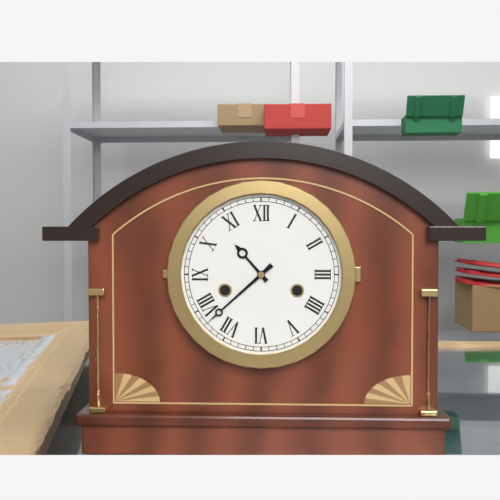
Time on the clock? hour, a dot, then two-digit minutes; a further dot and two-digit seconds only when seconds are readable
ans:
10.38
